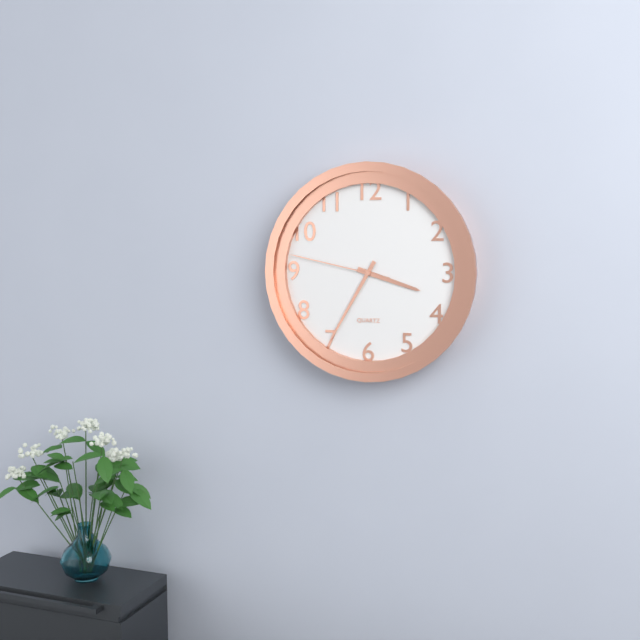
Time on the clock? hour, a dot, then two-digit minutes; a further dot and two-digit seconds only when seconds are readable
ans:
3.35.47
